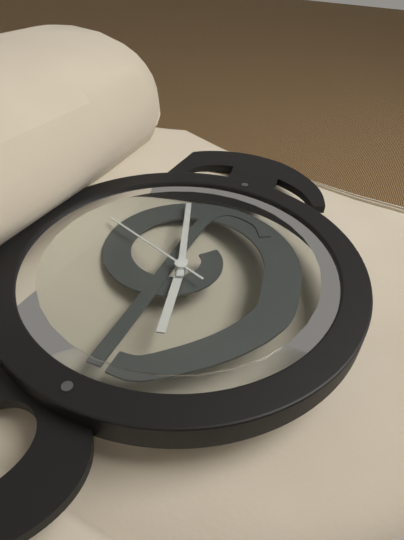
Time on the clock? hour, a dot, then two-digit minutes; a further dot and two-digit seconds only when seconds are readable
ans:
11.26.18
